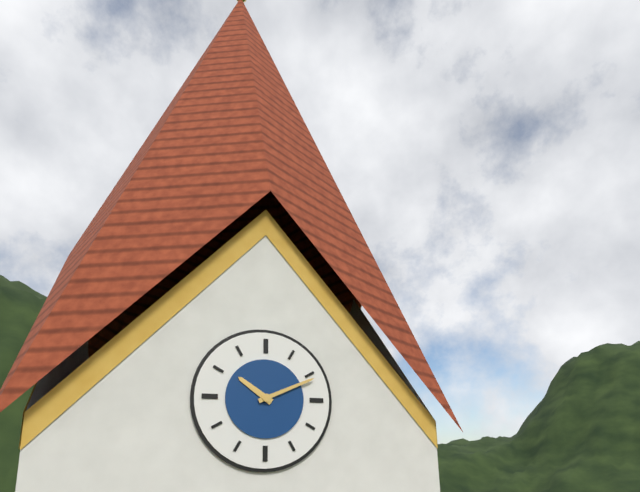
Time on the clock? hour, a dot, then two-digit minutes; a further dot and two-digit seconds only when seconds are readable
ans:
10.11
